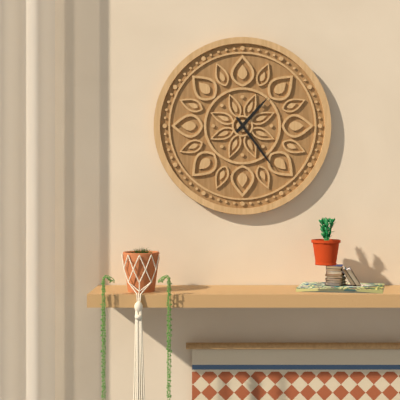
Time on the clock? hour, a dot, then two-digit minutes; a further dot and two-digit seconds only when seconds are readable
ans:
1.24
